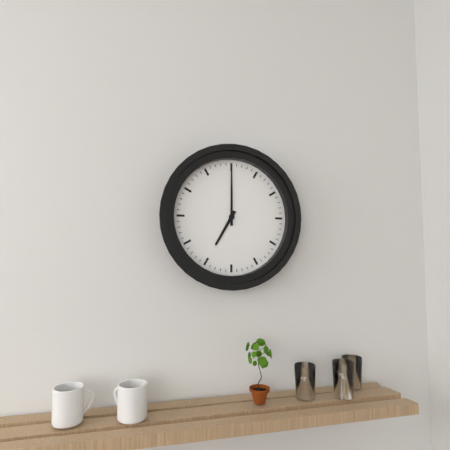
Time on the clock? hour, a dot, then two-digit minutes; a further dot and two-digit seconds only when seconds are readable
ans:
7.00
